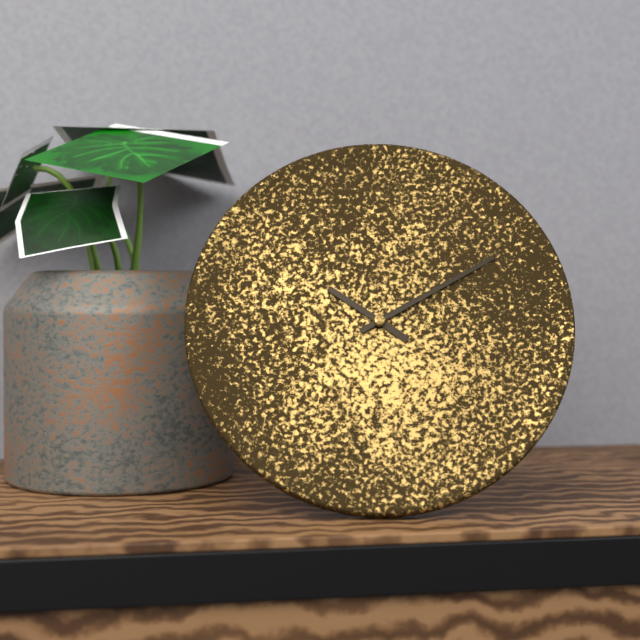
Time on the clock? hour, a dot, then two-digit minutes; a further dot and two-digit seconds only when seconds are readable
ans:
10.10
